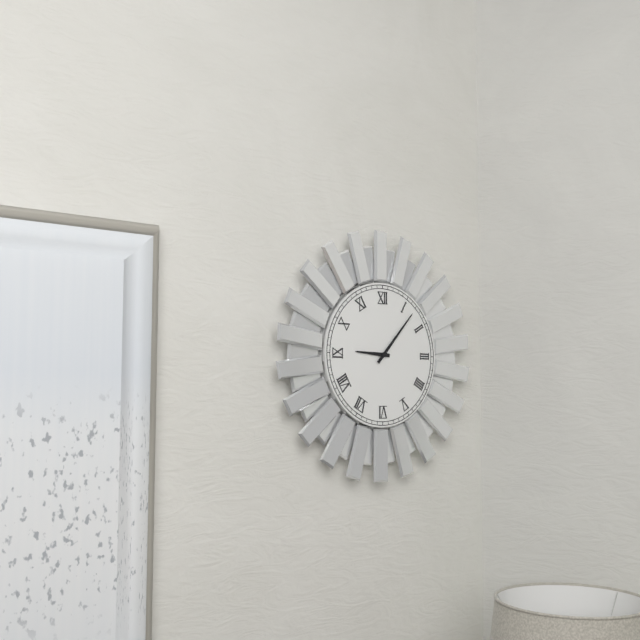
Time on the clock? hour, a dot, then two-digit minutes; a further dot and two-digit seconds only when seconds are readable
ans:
9.07
